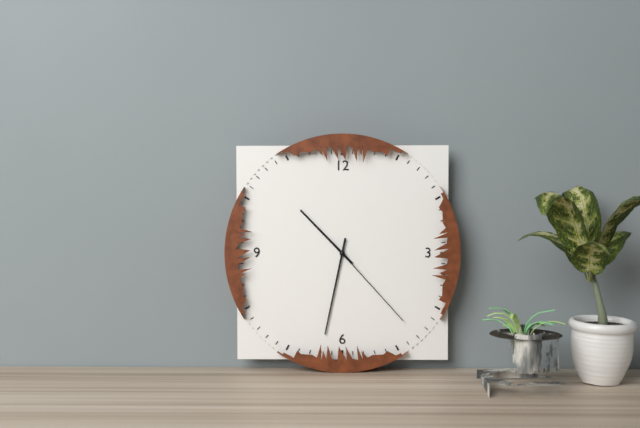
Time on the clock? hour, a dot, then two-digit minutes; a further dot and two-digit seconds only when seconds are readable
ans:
10.32.23
